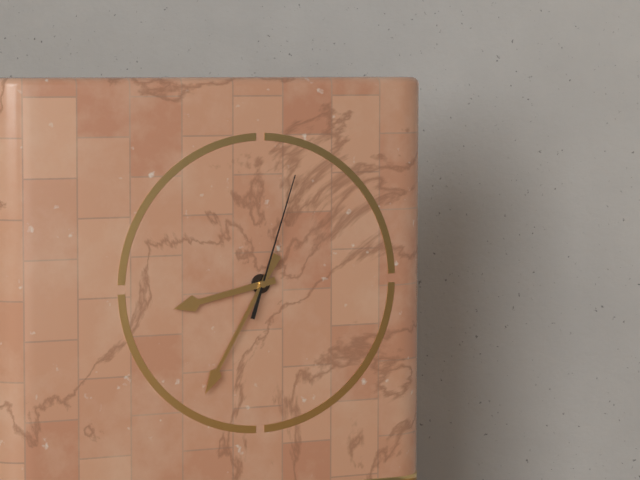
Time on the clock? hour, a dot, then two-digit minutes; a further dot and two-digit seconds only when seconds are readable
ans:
8.35.03
